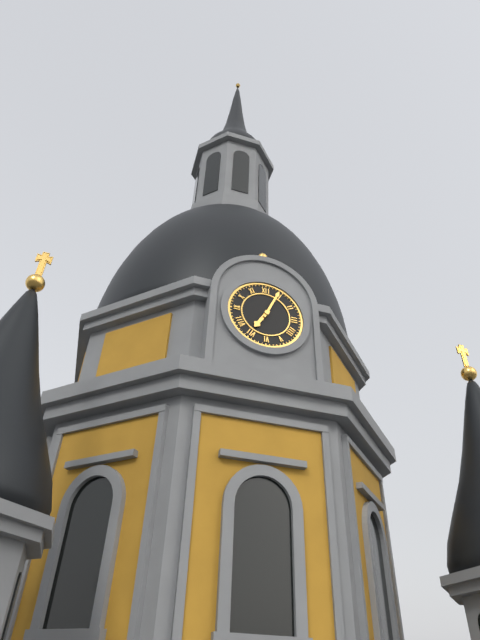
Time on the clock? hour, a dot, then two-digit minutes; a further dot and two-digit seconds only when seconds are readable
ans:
7.04
